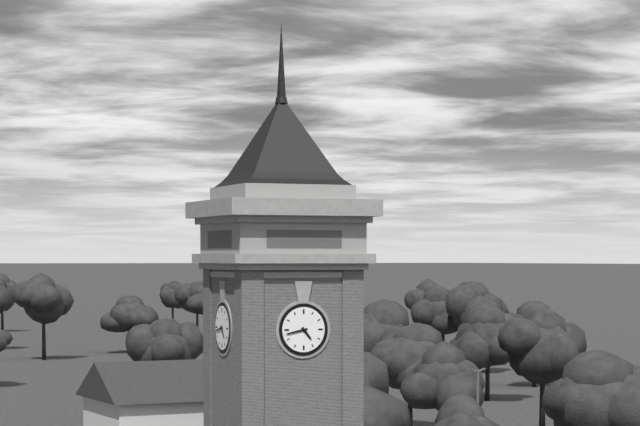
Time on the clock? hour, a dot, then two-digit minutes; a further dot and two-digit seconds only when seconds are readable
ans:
4.43
